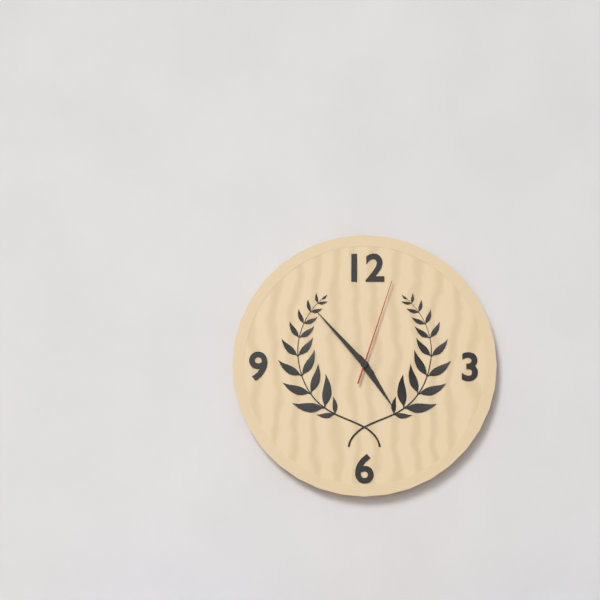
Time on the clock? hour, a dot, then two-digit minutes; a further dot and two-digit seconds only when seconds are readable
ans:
4.53.03
